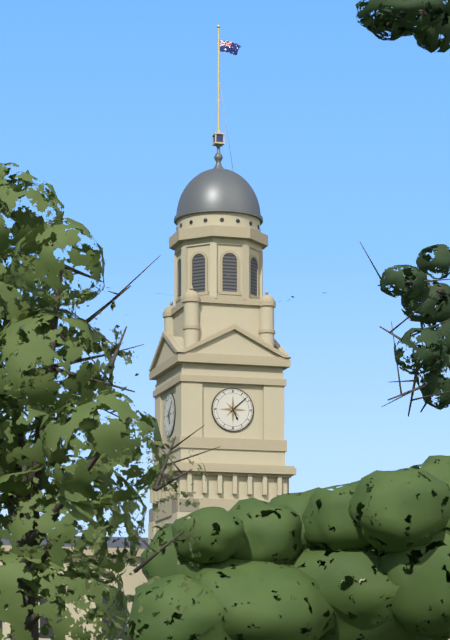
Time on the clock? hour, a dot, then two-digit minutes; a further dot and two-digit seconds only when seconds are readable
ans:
5.08
